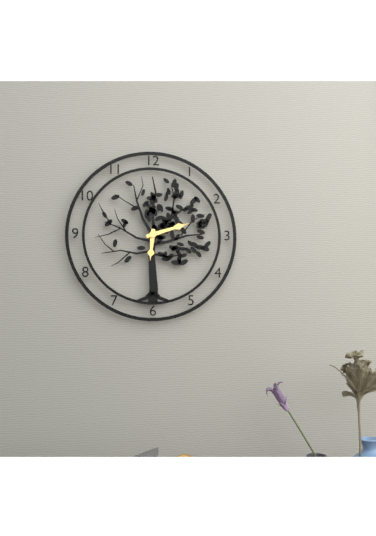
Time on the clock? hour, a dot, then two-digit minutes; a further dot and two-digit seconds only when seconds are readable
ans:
6.12
